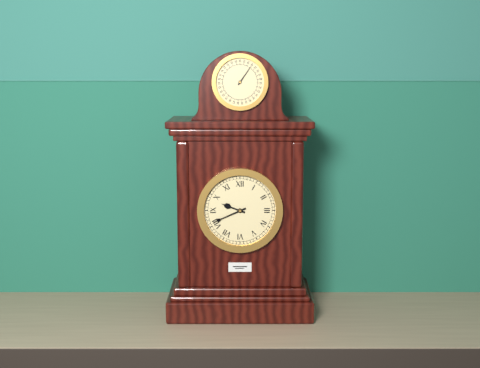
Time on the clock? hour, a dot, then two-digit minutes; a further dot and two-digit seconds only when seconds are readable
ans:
9.41
